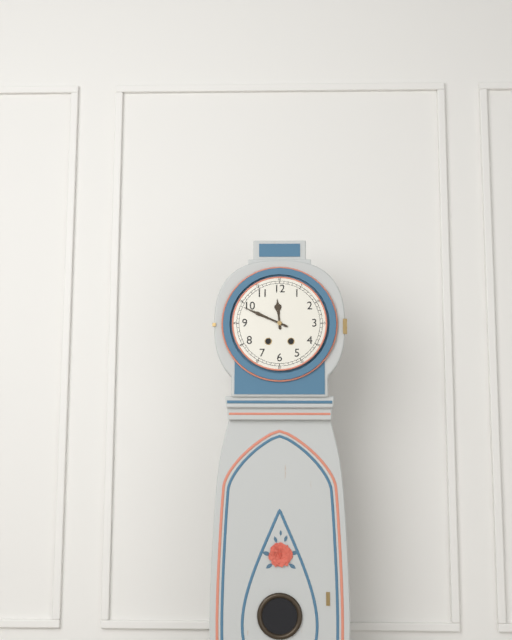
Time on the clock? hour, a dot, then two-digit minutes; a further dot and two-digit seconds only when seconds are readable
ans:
11.49
